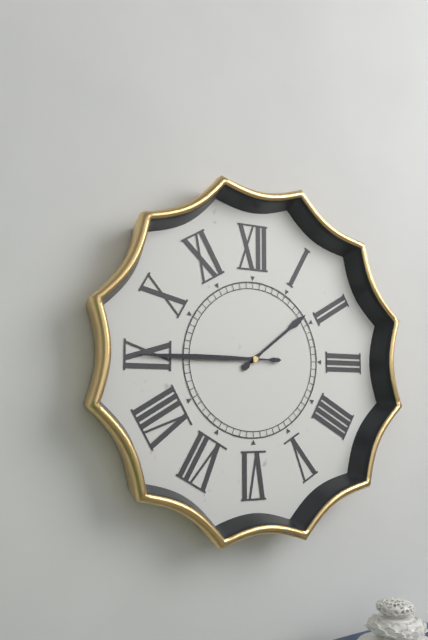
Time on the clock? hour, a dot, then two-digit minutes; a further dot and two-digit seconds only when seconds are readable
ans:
1.45
